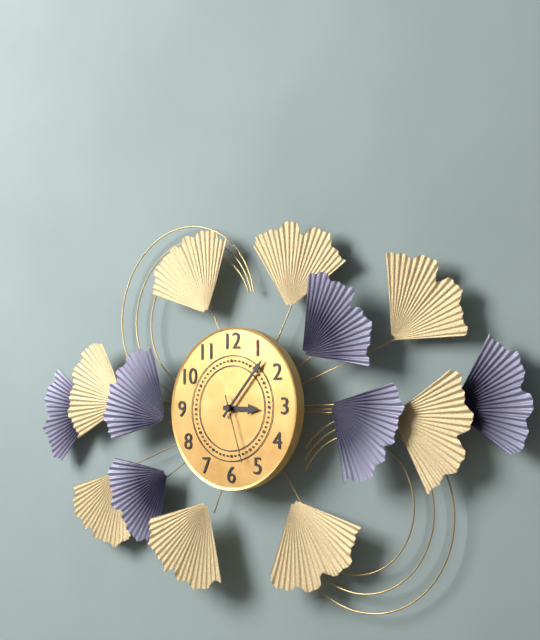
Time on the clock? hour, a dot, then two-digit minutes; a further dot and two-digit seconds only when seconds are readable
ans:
3.07.27
